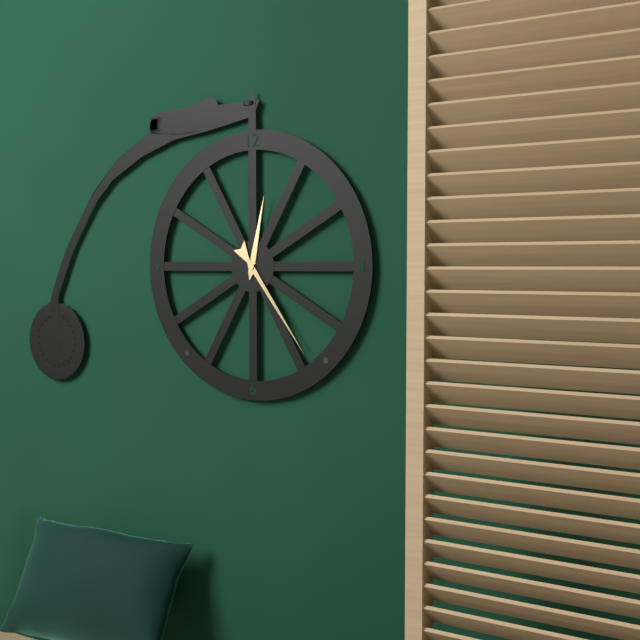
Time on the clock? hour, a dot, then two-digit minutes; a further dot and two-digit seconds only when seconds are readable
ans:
12.24
